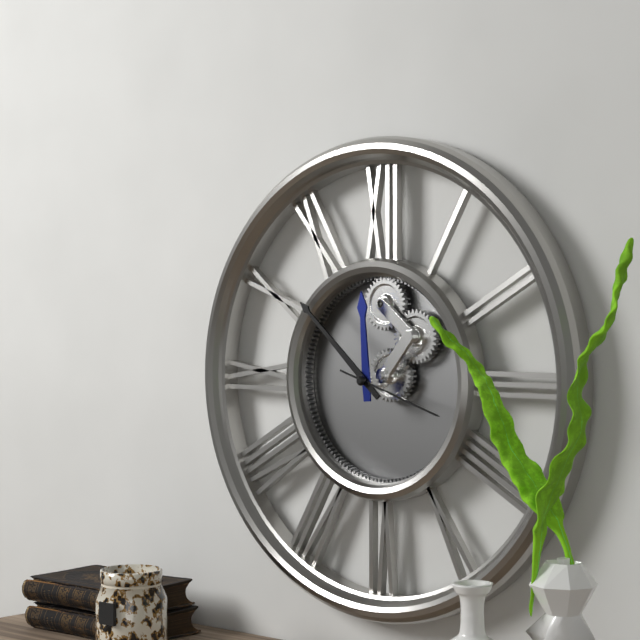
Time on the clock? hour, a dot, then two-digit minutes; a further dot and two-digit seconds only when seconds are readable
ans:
11.52.18
